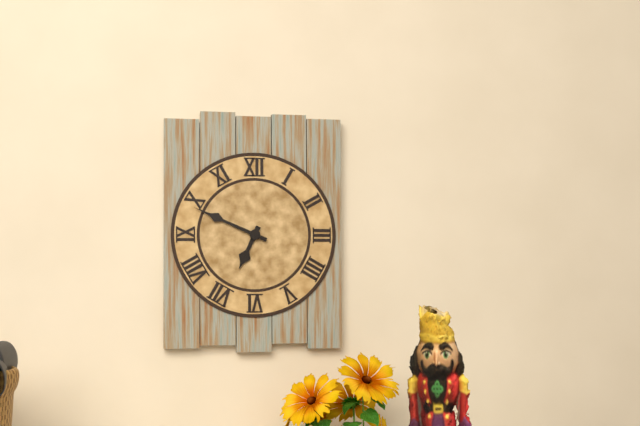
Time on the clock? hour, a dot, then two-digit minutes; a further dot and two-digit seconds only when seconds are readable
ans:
6.49
